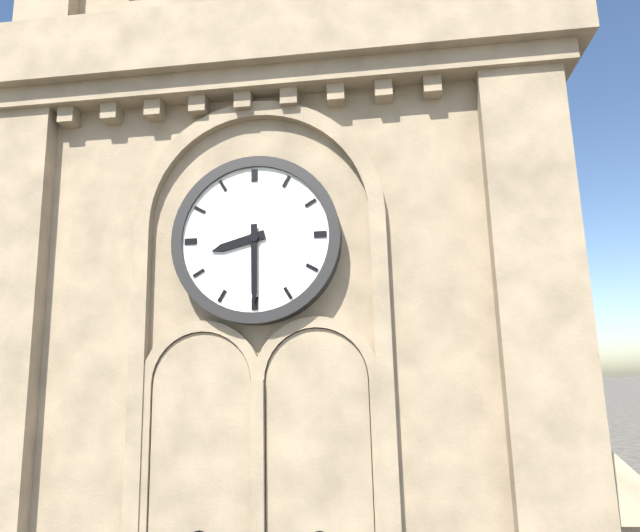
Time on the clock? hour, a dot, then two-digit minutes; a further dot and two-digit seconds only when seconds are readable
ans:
8.30
